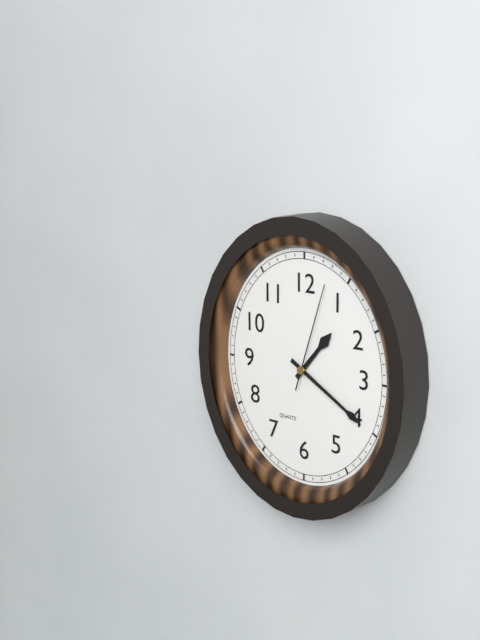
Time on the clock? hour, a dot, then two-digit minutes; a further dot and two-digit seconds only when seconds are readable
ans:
1.20.03
